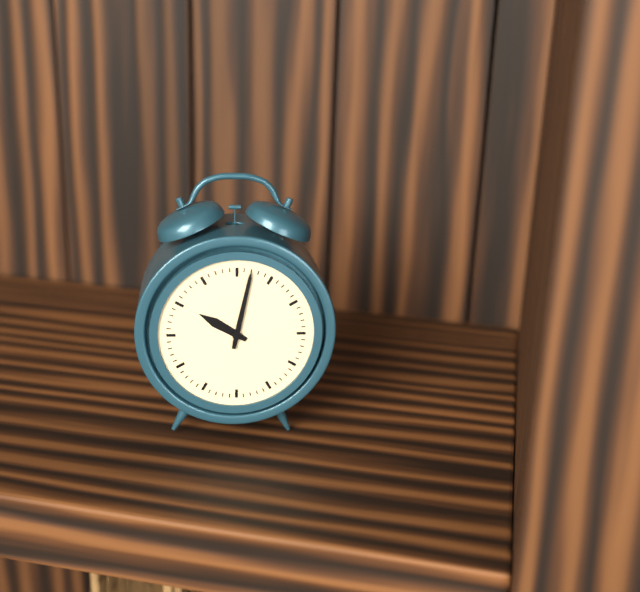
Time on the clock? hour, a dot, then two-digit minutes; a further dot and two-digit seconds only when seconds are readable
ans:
10.02
